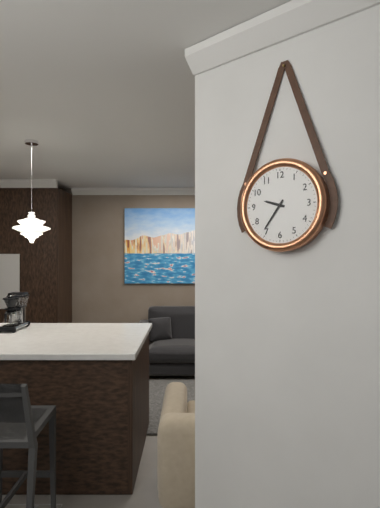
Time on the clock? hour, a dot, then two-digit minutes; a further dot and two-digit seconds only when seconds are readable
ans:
9.36
